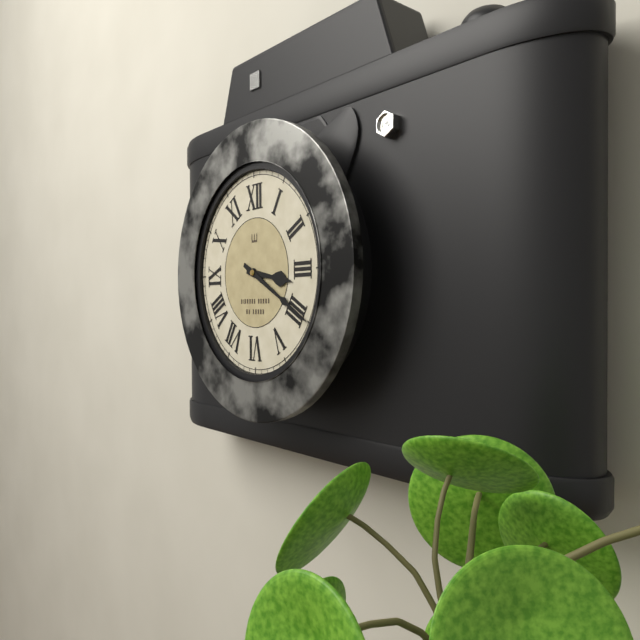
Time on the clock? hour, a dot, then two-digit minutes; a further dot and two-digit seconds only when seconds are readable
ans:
3.20
